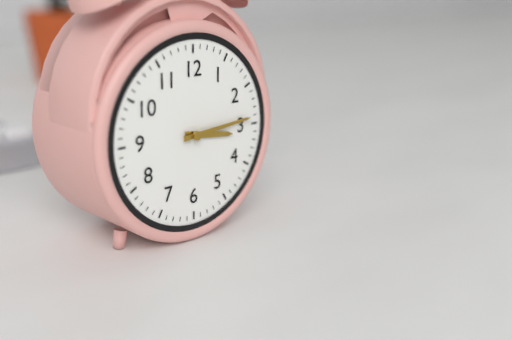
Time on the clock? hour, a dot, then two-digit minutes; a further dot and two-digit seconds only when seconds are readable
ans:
3.14
